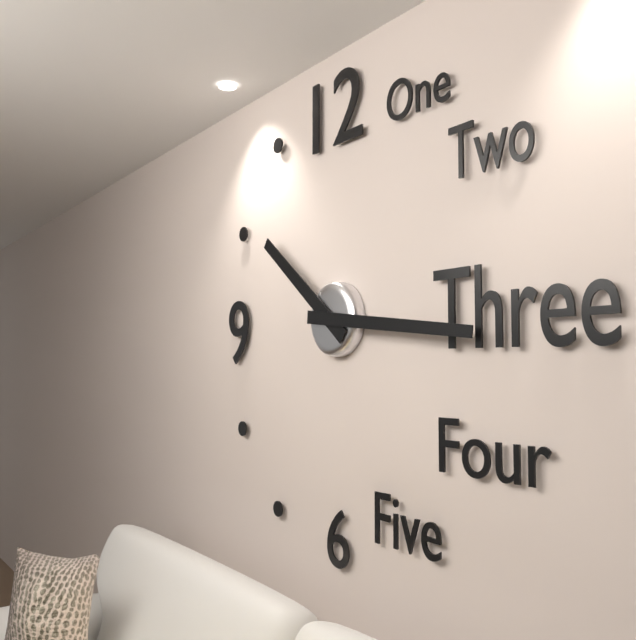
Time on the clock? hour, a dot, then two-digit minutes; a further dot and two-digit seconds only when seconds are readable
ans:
10.16
